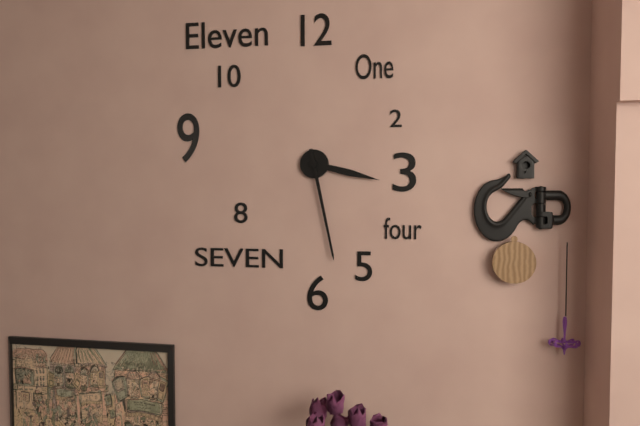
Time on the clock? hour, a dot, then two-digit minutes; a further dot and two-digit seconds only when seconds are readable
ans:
3.28
